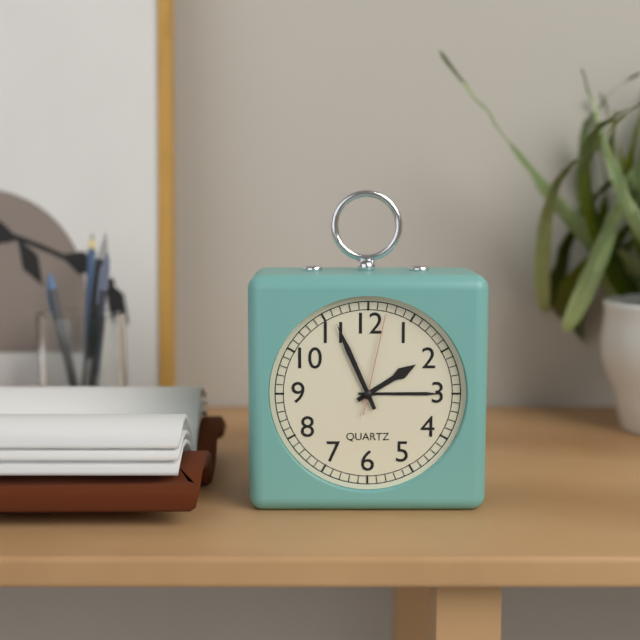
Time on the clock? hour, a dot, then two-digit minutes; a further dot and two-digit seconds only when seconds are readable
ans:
1.56.02
